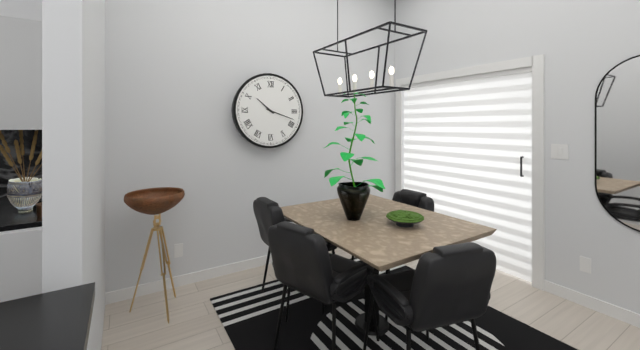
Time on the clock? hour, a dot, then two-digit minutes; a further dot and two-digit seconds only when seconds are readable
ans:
10.18
